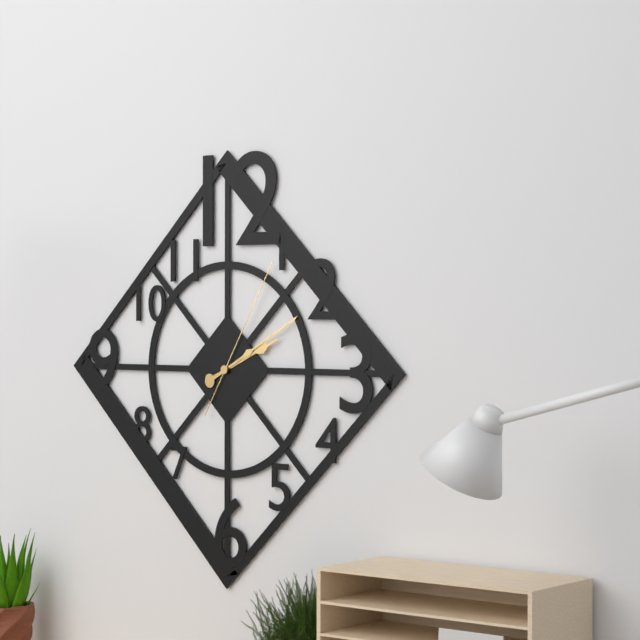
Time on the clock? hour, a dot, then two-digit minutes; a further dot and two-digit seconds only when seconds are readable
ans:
2.10.05
